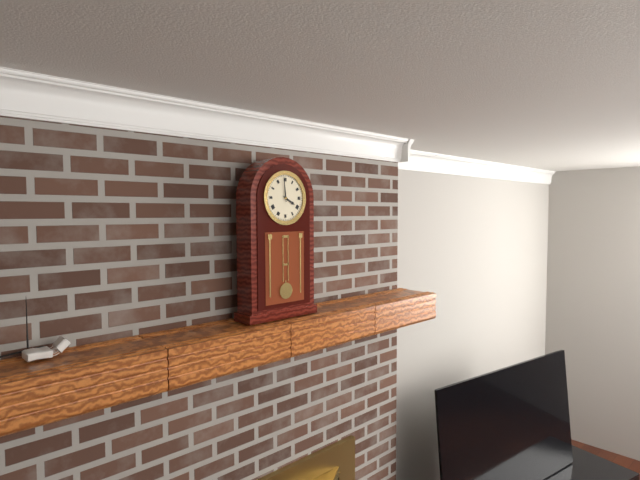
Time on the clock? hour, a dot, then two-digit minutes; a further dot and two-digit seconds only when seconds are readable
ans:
3.59
